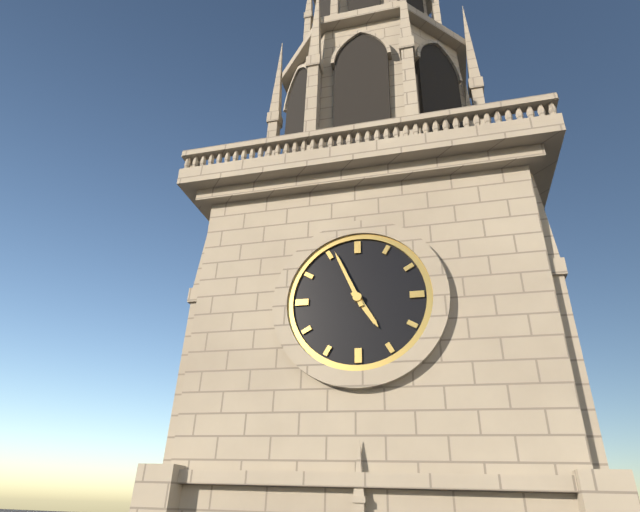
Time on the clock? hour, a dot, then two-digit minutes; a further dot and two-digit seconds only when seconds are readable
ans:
4.56
